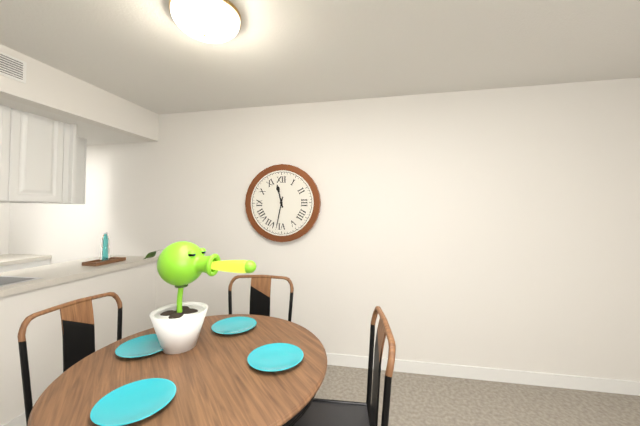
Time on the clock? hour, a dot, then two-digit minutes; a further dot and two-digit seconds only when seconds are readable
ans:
11.32
